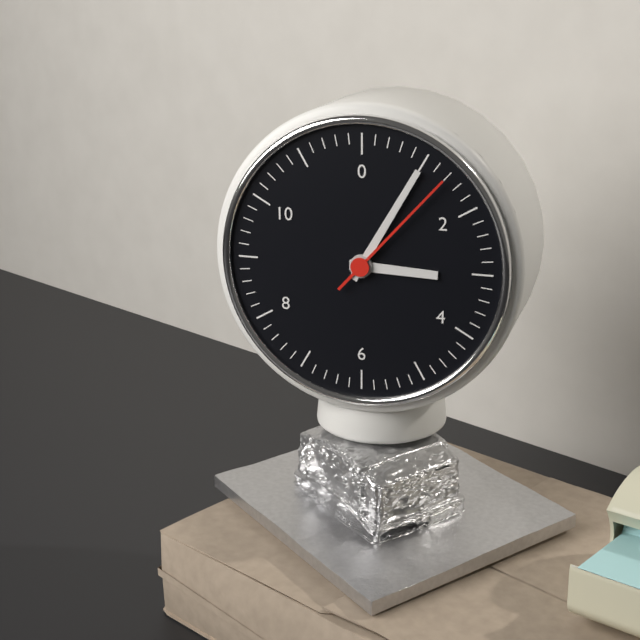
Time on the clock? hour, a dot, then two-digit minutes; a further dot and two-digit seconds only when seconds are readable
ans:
3.05.07
